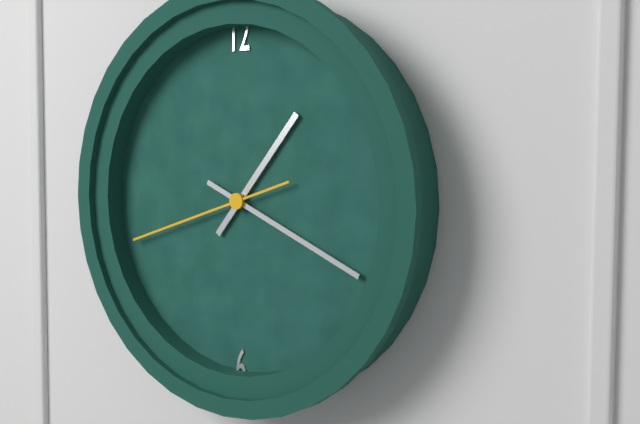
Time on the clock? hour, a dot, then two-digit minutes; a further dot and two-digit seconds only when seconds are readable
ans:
1.19.42
